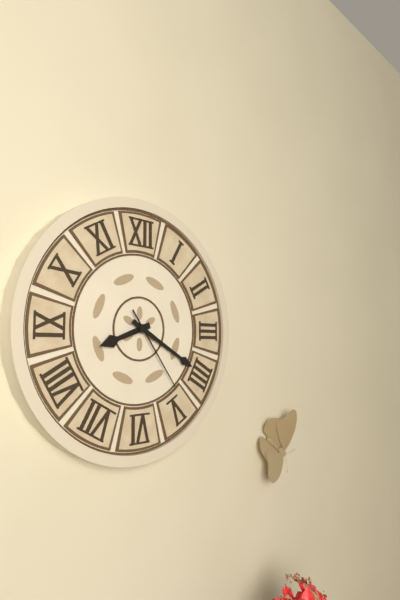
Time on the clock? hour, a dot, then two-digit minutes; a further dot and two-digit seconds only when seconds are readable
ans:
8.20.24
